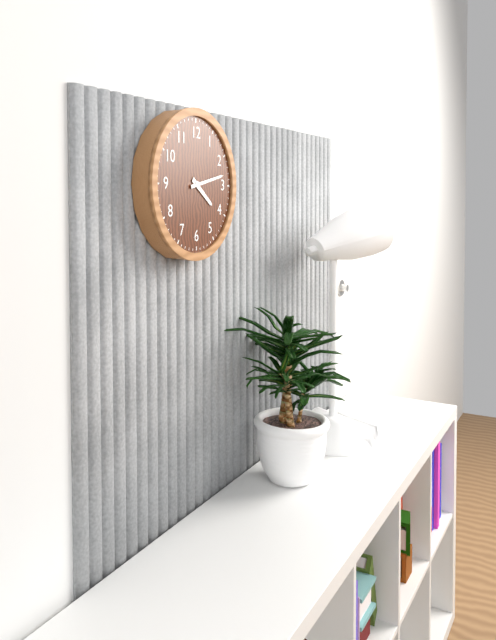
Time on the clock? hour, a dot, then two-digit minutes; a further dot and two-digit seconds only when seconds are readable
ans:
4.13
